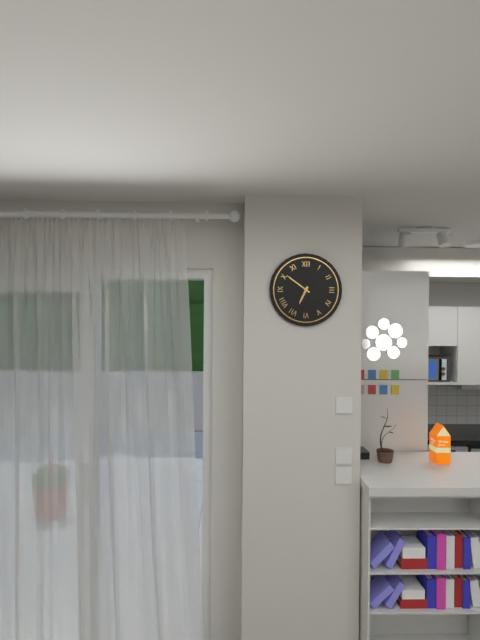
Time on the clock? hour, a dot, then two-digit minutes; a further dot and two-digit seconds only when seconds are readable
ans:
6.51
